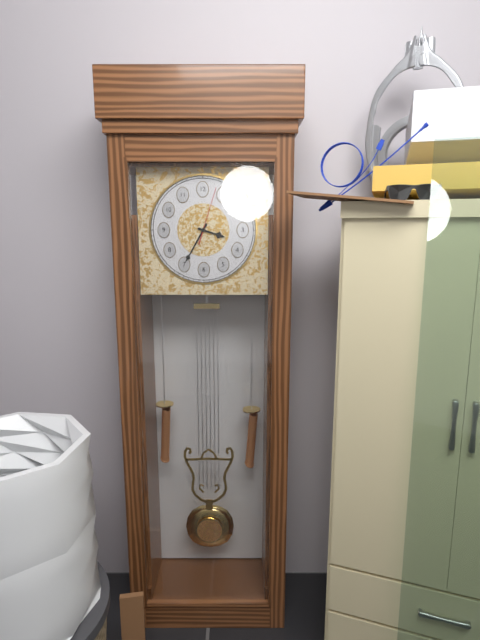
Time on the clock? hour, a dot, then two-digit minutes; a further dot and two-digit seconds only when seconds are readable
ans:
3.35.03
